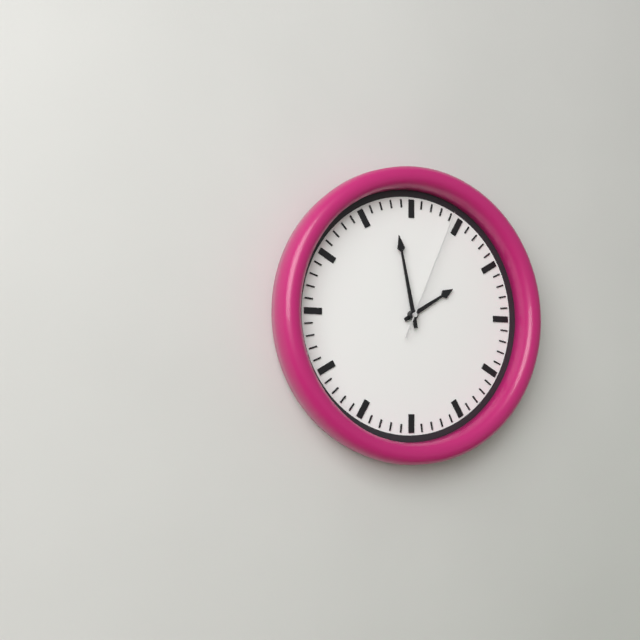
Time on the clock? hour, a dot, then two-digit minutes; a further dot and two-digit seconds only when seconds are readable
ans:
1.58.04
